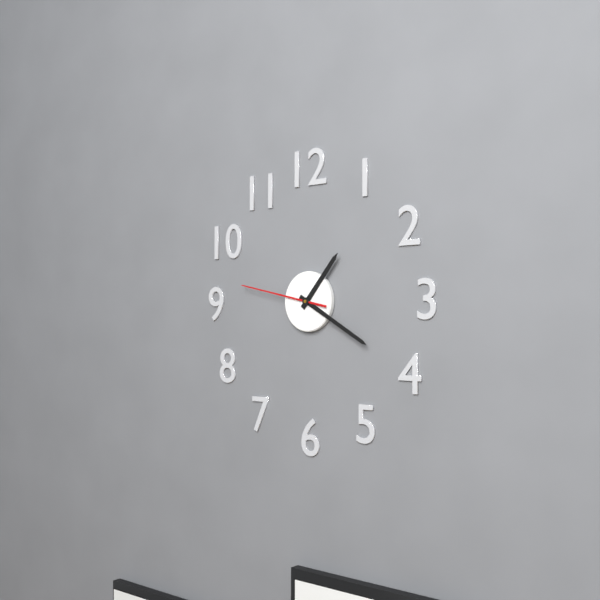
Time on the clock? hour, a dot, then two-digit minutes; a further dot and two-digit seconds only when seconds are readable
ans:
1.20.47
